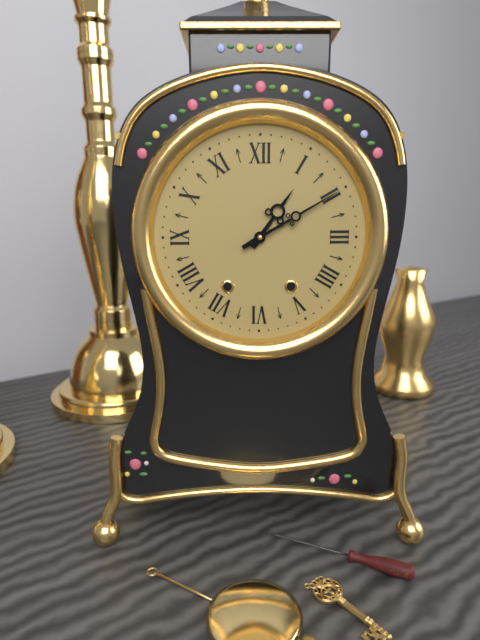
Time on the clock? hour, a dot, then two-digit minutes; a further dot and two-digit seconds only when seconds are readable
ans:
1.10
